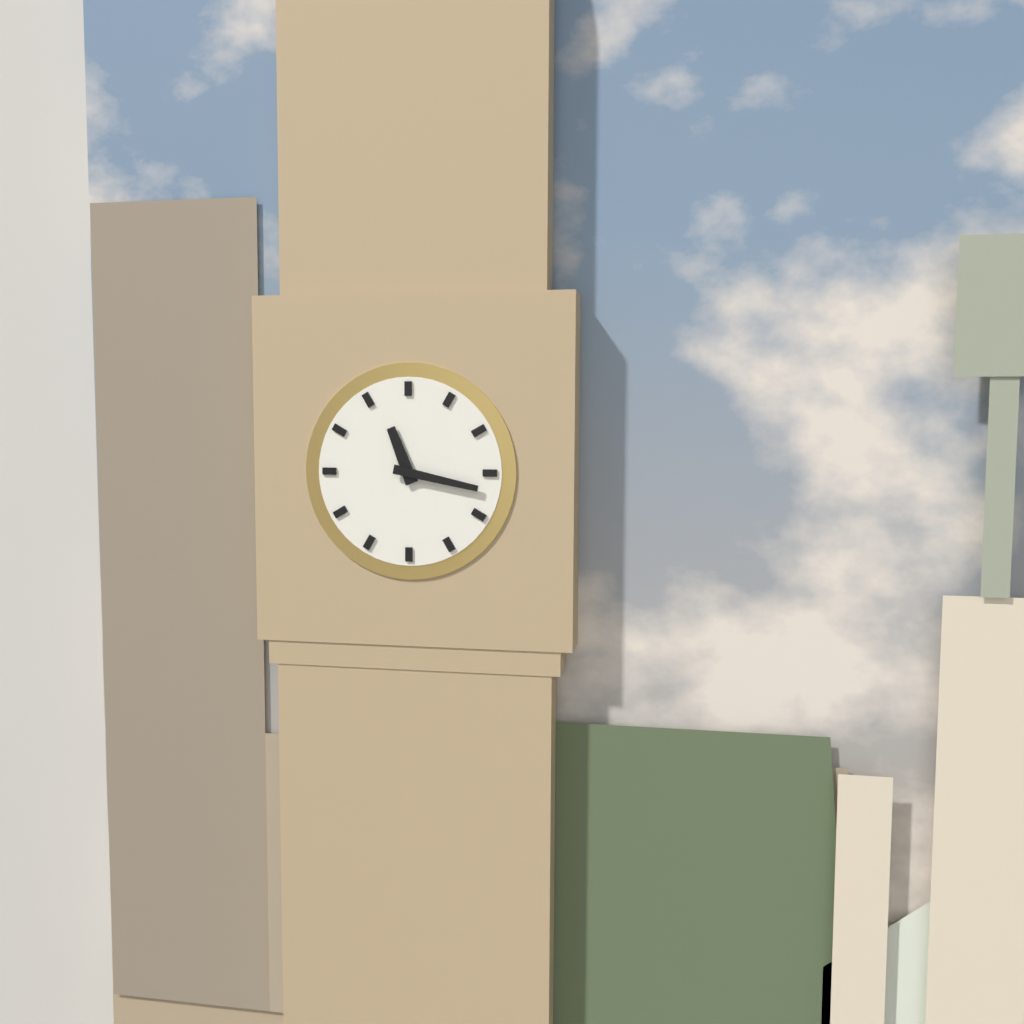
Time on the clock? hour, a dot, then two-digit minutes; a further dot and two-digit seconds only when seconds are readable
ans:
11.17
